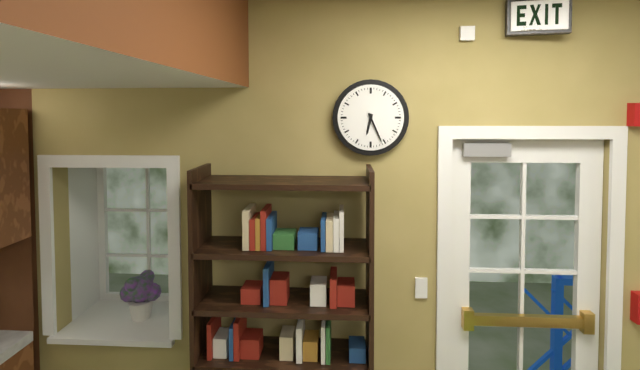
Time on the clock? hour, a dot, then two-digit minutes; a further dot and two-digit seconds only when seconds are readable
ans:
6.26
